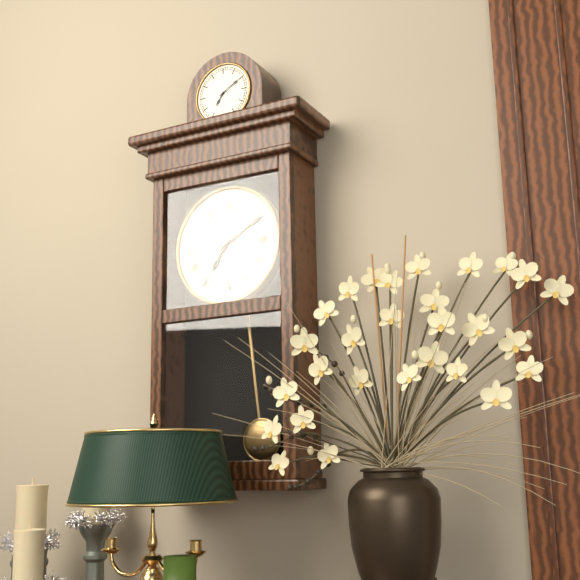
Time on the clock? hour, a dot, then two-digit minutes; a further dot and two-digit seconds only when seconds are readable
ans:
7.10
